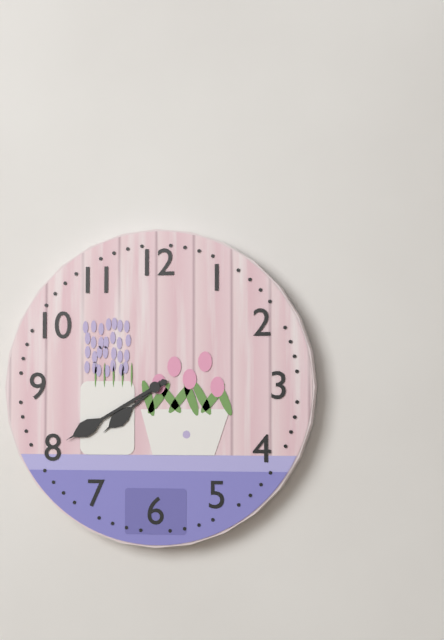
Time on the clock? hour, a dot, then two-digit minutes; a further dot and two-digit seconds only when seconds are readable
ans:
7.40
